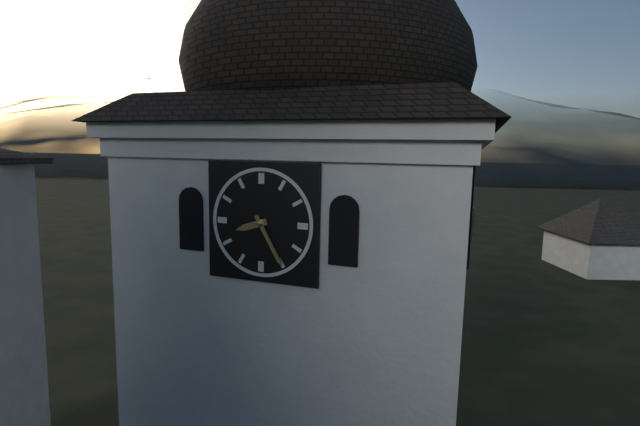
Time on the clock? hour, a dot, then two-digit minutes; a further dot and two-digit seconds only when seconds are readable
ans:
8.25
